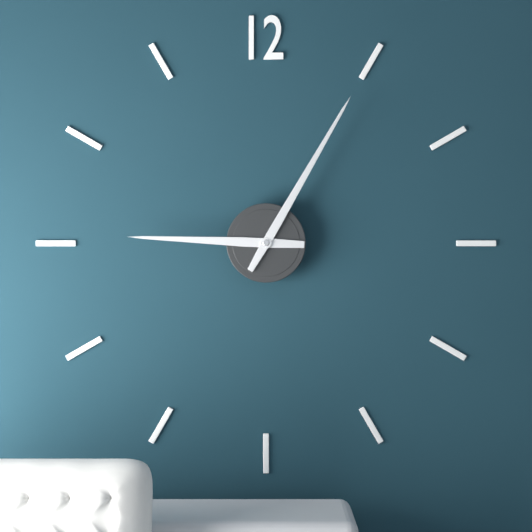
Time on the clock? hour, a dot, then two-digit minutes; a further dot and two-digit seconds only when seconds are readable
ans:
9.05
